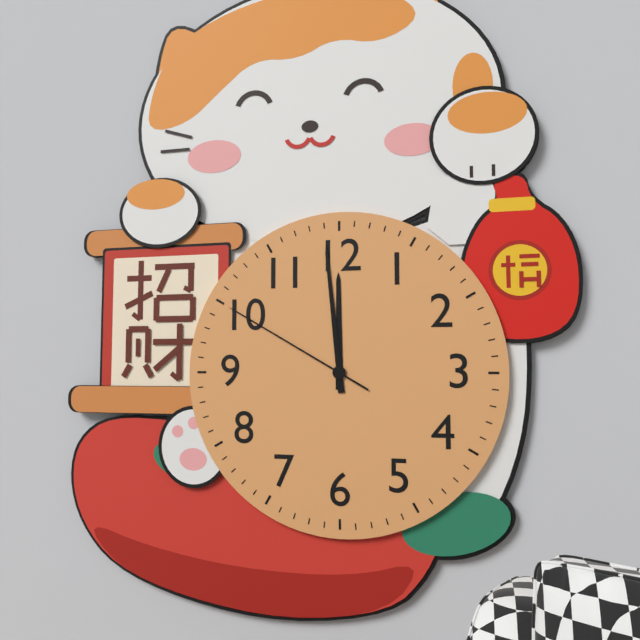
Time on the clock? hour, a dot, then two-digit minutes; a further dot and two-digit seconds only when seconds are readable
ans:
11.59.50
